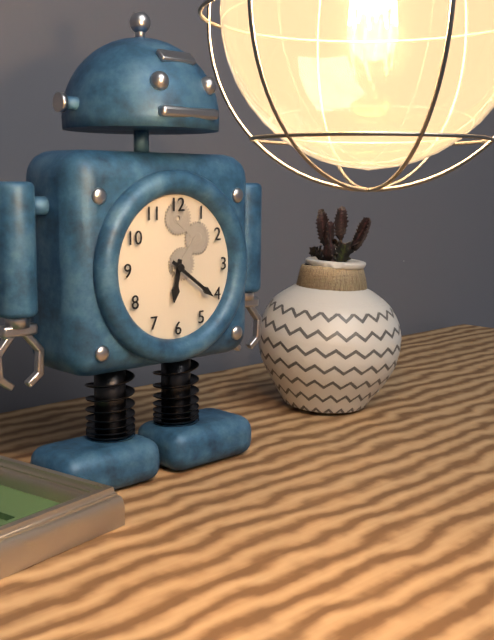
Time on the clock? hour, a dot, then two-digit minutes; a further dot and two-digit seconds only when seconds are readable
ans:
6.21
